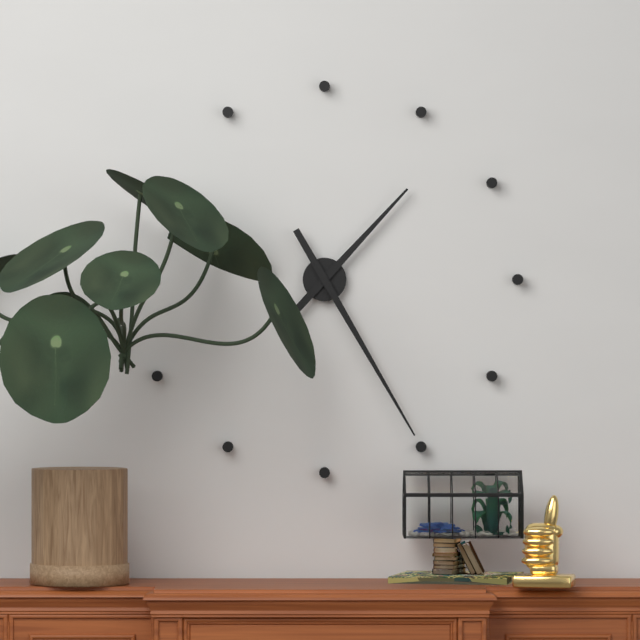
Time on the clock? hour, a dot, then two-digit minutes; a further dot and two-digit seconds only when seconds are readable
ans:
1.25
